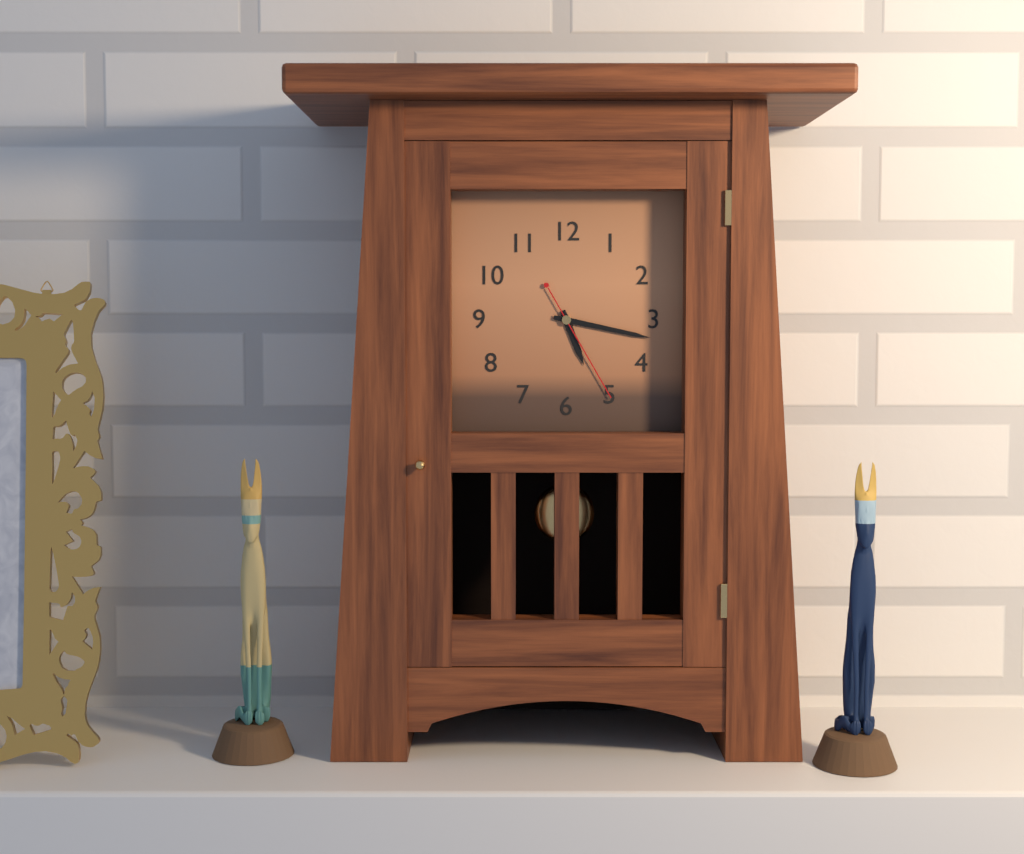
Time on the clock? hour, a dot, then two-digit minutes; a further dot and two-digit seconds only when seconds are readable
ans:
5.17.25
